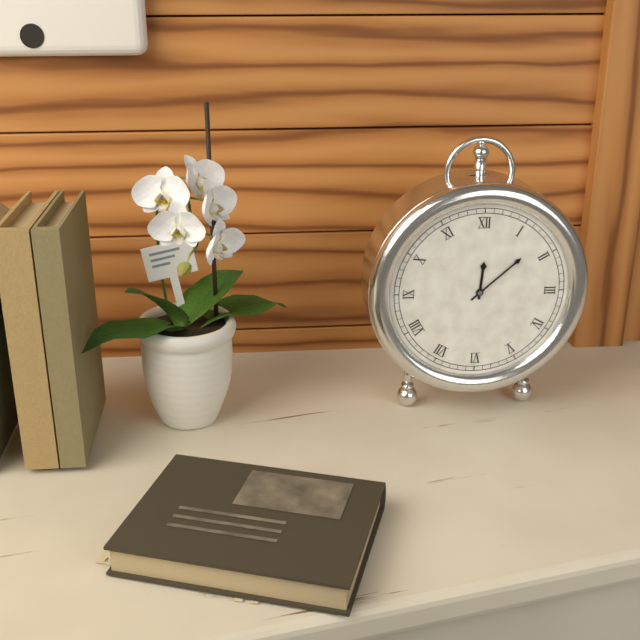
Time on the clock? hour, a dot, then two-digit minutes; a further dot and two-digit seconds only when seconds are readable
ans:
12.08
